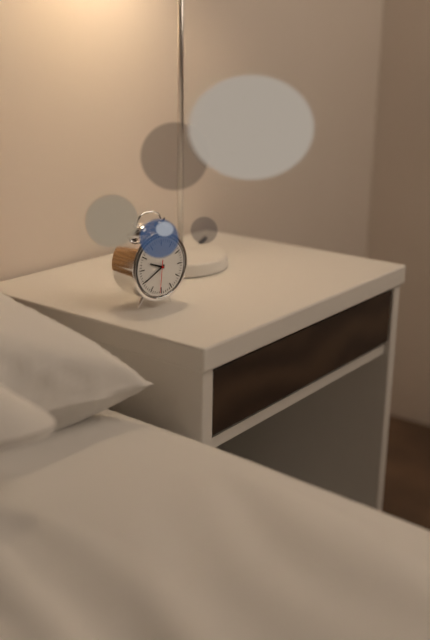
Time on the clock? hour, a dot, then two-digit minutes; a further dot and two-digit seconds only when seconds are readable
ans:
9.40
